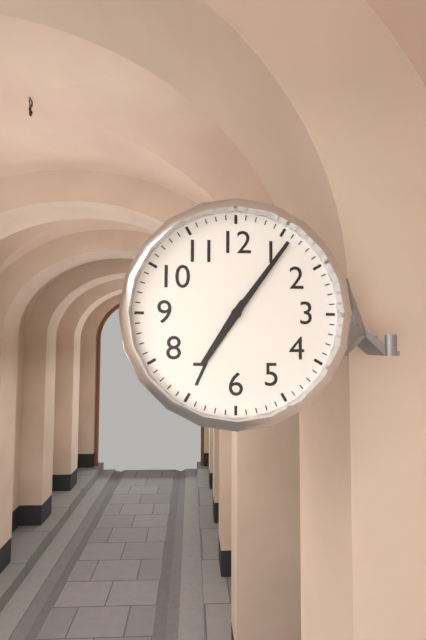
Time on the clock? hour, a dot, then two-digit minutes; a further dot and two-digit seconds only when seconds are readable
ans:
7.06
